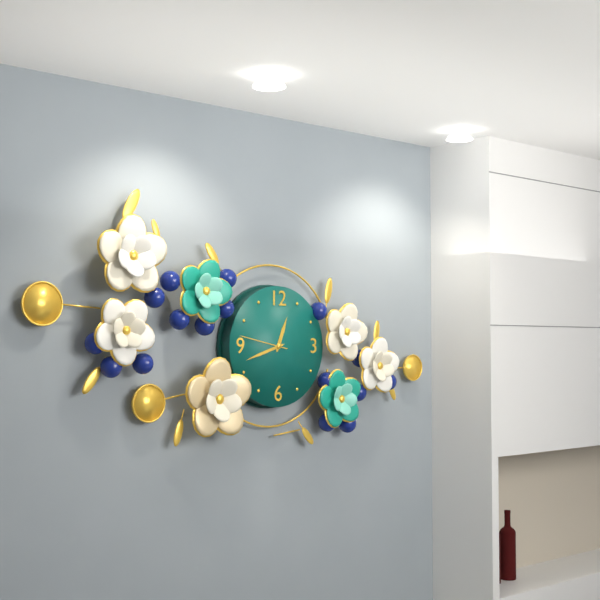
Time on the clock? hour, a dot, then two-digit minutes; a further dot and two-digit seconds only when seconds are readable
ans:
12.42.47
